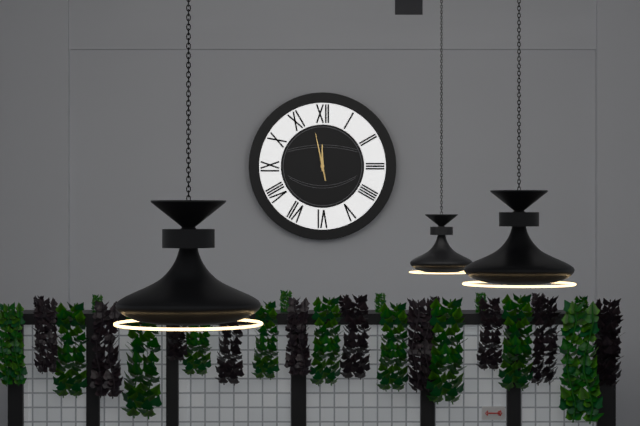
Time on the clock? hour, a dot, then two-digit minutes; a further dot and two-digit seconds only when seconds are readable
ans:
11.58
